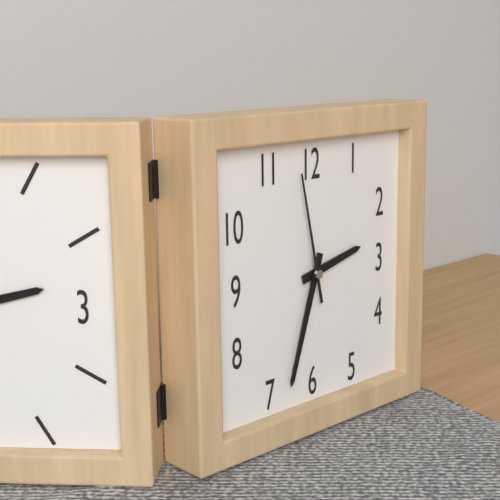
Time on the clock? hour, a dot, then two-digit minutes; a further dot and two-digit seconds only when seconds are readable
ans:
2.33.58
